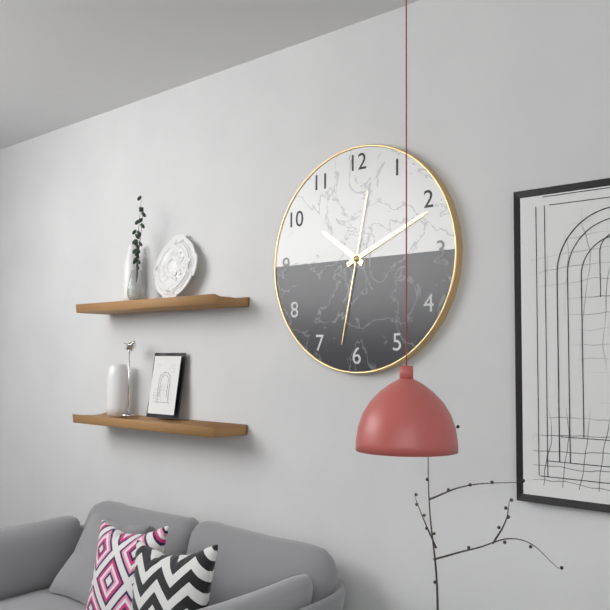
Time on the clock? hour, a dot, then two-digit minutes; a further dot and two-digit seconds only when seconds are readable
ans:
10.11.32
